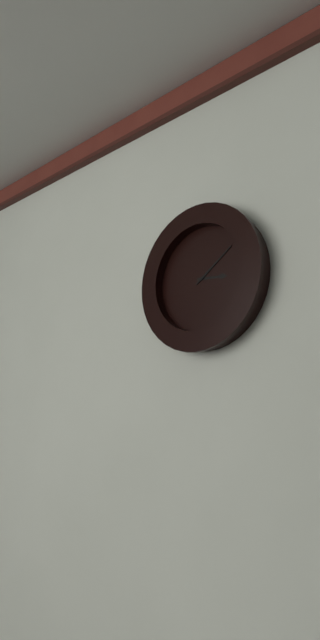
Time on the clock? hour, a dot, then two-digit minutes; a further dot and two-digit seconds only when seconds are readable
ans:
3.09
